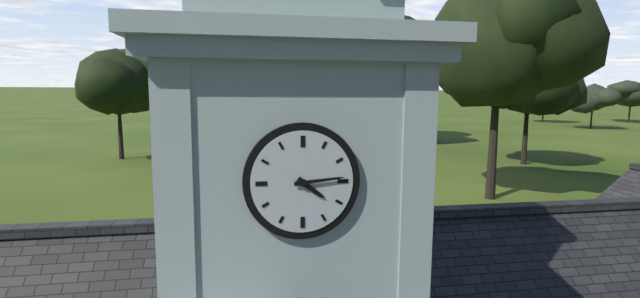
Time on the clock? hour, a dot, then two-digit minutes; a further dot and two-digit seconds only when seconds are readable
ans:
4.14
